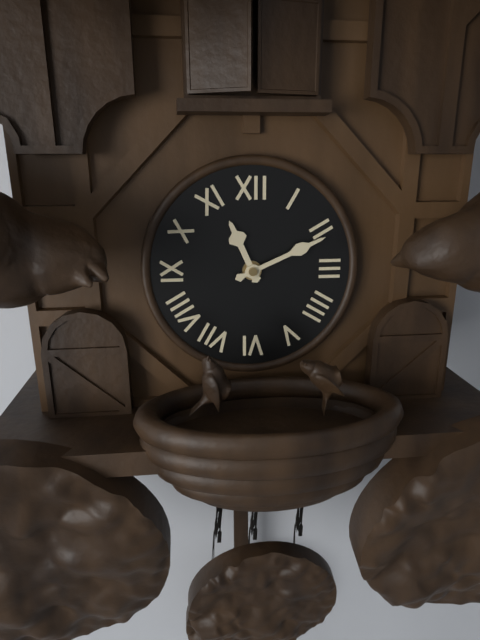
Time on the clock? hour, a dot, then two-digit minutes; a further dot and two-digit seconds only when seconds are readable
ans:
11.11
